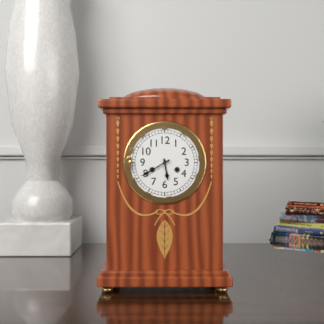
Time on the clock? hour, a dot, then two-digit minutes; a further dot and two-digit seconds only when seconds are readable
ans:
5.40
